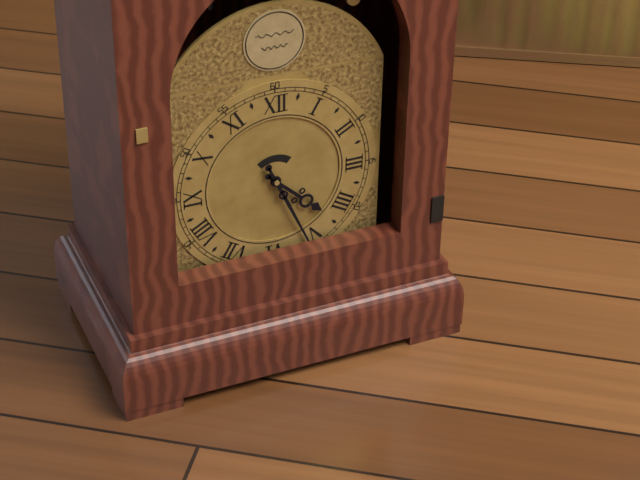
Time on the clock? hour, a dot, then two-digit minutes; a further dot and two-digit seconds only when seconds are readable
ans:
4.26
